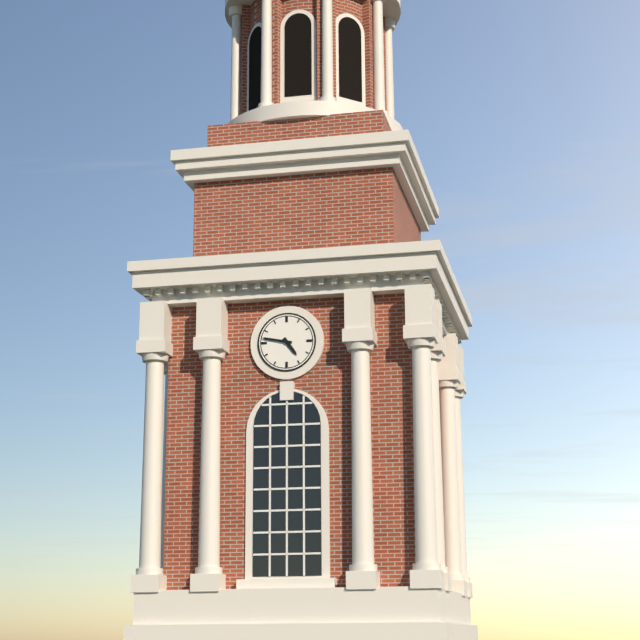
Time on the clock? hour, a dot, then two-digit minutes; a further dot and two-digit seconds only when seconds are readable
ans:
4.47
